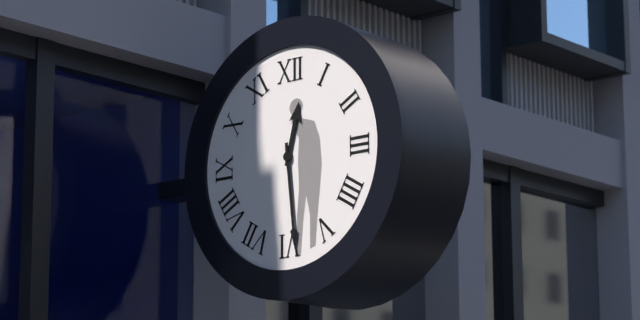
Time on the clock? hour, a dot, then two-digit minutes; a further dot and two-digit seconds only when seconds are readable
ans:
12.29
